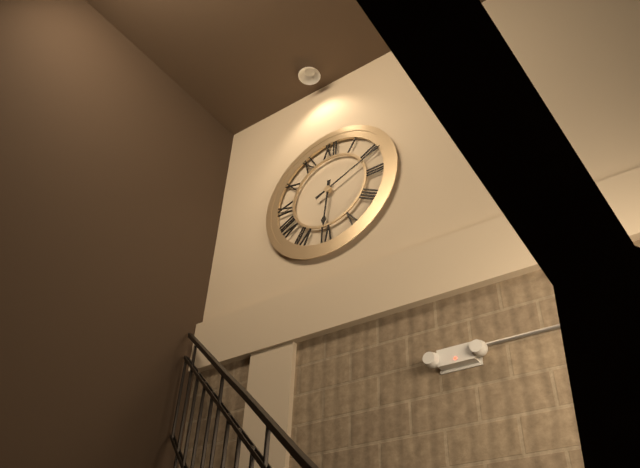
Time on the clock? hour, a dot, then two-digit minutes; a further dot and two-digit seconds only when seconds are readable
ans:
6.11
